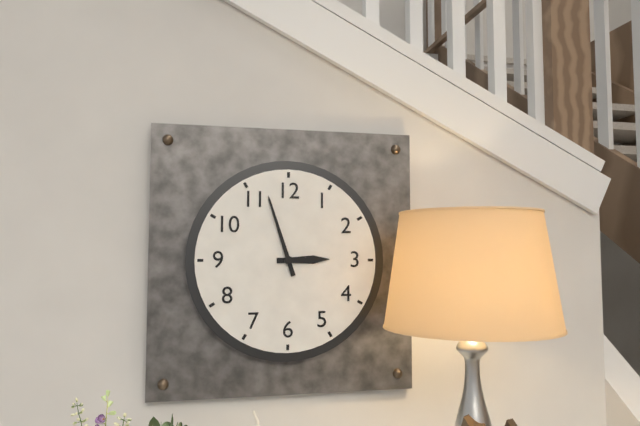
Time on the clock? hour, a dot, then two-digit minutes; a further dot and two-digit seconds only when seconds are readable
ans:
2.57
